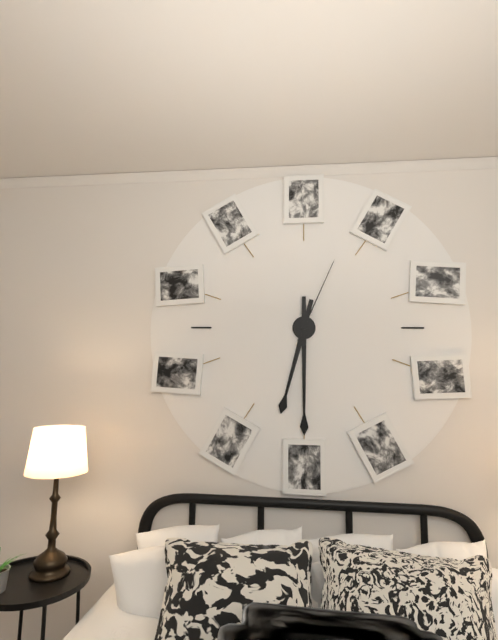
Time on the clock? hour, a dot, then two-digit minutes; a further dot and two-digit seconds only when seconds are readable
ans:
6.30.04
